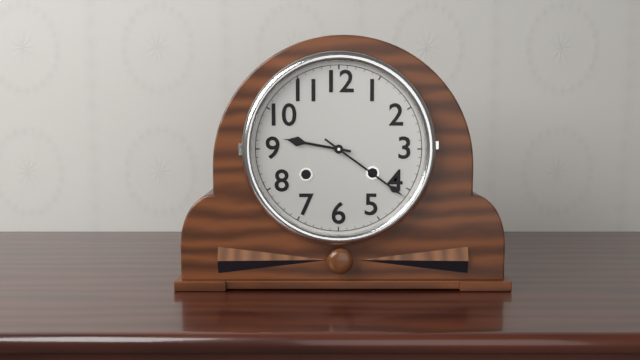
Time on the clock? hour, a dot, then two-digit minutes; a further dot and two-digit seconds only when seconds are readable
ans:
9.21
